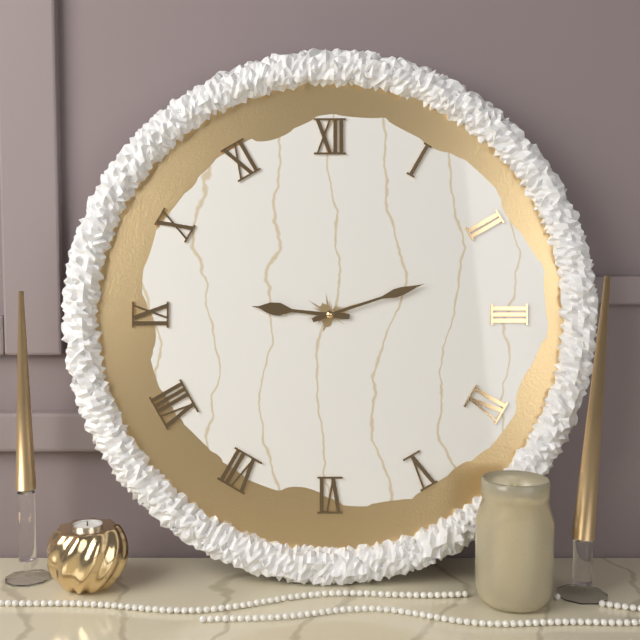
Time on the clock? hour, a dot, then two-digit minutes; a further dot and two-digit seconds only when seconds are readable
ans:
9.12
